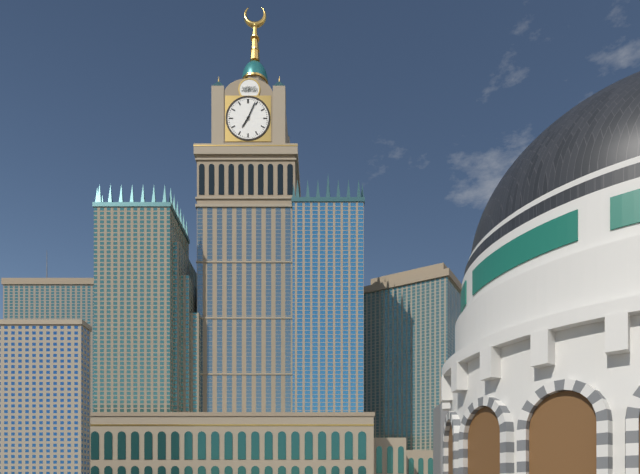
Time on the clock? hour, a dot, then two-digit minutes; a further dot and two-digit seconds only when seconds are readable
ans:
7.04
